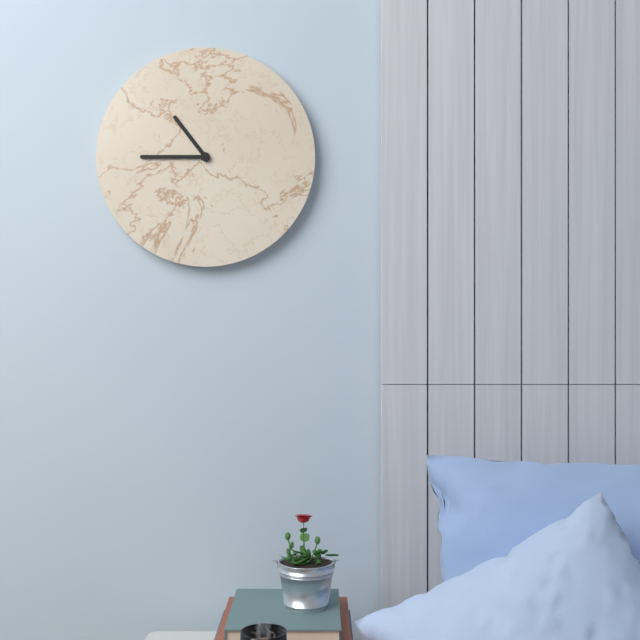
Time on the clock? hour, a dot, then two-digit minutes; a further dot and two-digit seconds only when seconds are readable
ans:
10.45
